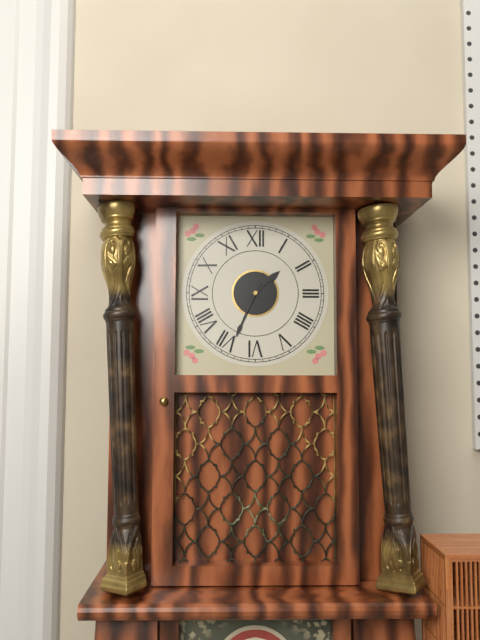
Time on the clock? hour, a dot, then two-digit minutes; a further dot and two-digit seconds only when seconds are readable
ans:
1.34
